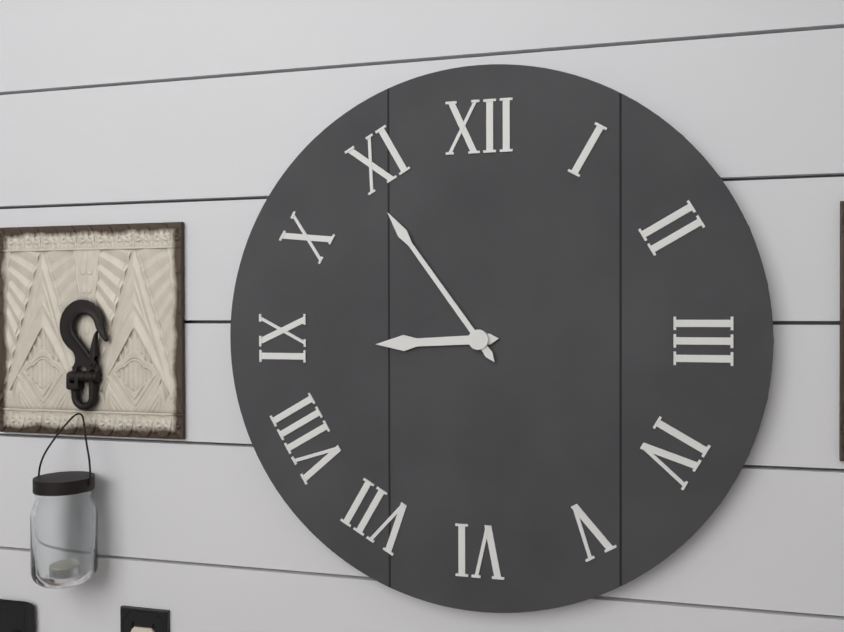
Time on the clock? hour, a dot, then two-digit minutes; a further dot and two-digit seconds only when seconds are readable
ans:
8.54
